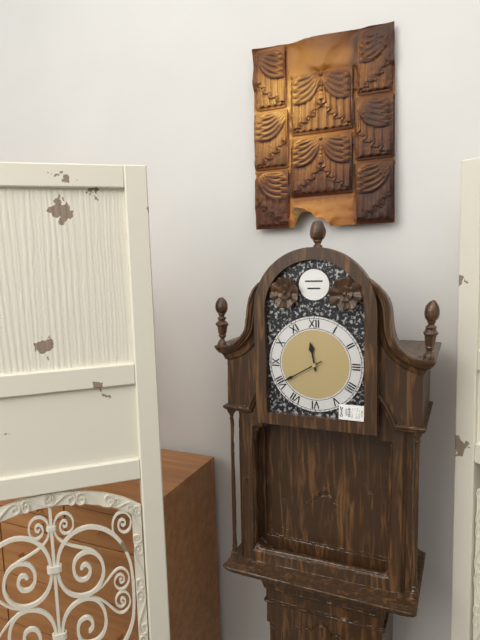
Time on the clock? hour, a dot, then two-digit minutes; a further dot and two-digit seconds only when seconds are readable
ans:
11.40
